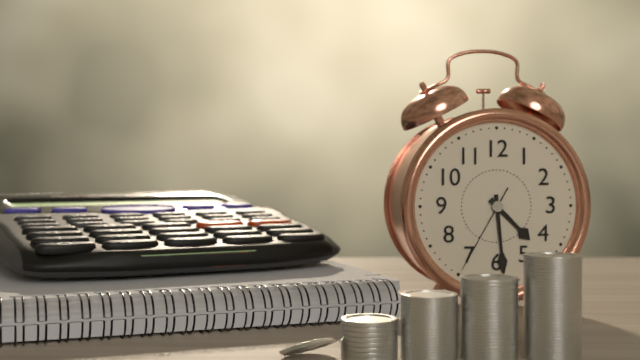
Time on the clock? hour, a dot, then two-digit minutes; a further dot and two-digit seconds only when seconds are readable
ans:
4.29.35
